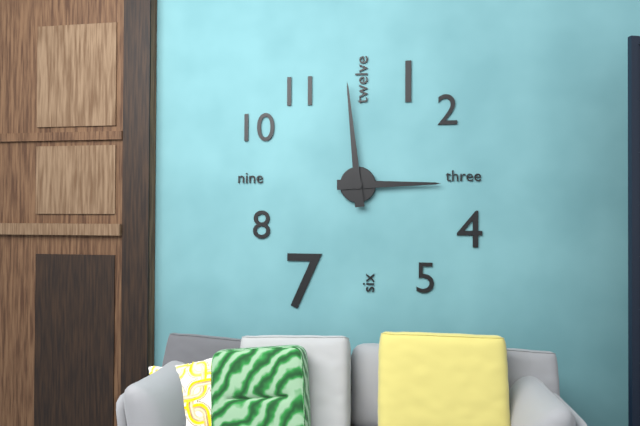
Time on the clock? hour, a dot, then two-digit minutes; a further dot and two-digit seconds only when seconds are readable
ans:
2.59
